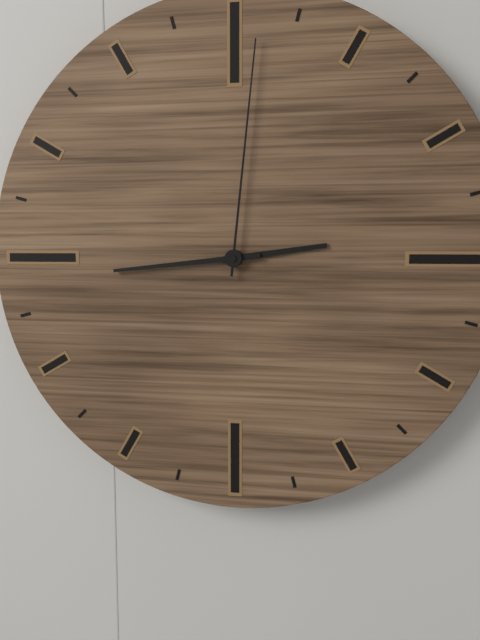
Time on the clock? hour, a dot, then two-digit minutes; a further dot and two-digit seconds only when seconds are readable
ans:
2.44.01
